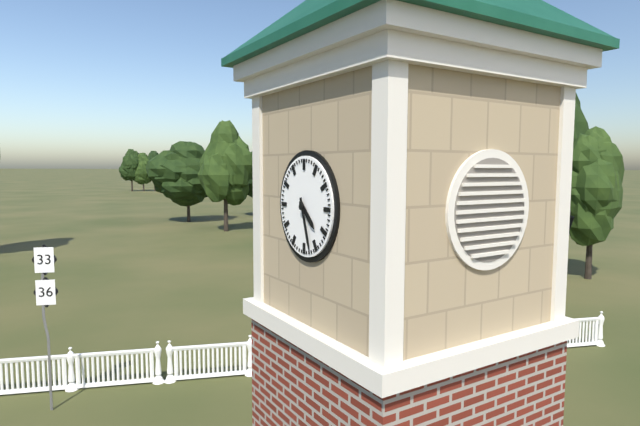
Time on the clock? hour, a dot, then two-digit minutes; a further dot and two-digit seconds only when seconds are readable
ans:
4.27
